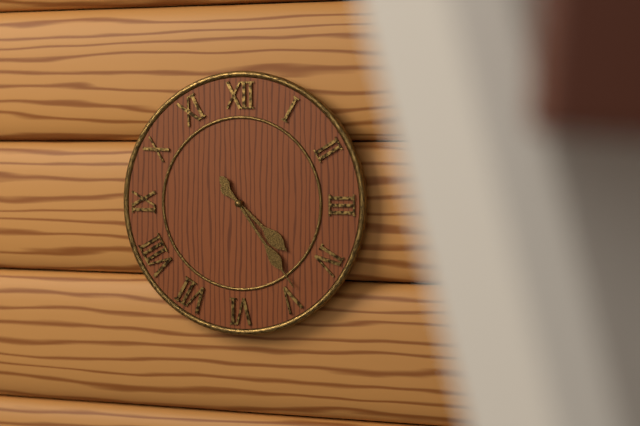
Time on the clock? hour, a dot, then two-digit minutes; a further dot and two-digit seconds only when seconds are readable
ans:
4.24
